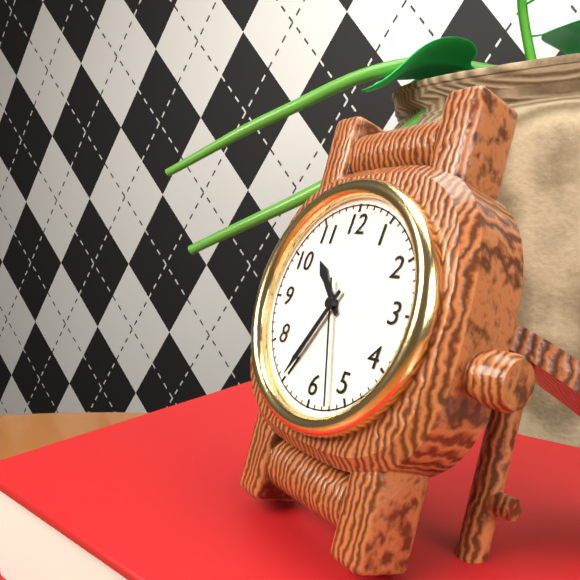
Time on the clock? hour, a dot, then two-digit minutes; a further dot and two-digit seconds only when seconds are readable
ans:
10.35.27
